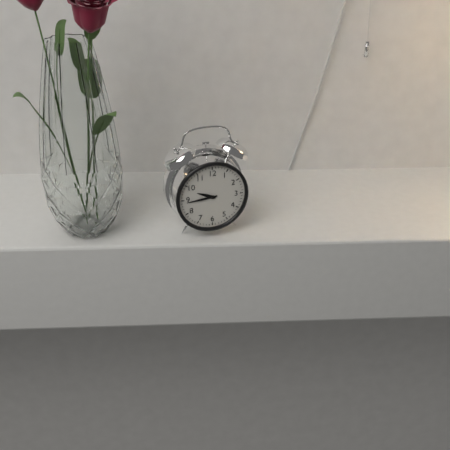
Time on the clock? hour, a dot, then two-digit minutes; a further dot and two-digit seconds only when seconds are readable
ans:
9.44
